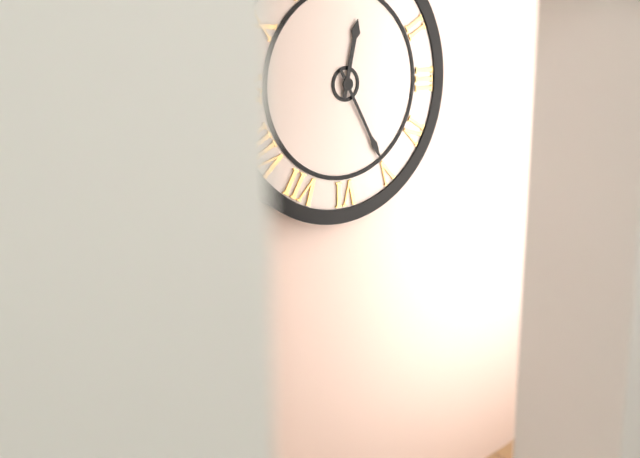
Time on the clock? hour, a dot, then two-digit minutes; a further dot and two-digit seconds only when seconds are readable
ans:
12.25
